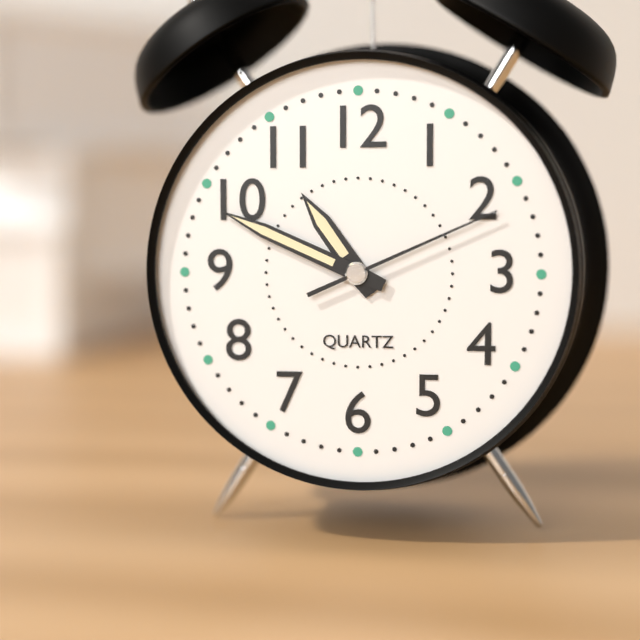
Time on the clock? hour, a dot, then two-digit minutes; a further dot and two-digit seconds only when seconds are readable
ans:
10.49.11
